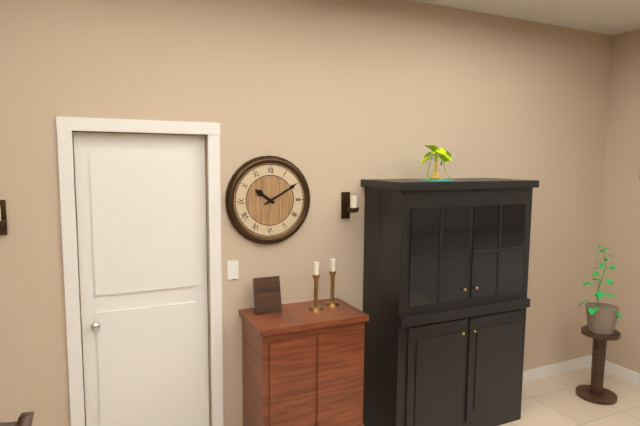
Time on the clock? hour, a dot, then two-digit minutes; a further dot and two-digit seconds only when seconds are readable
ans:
10.10
